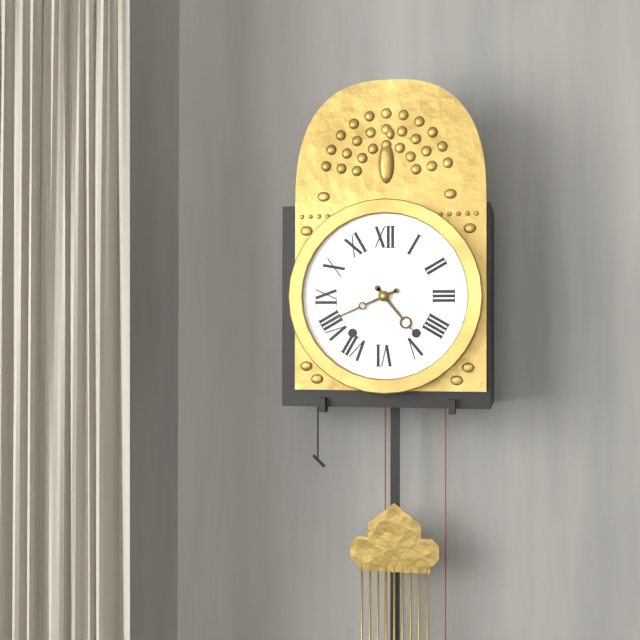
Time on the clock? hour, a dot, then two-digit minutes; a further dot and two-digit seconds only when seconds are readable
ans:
4.41
